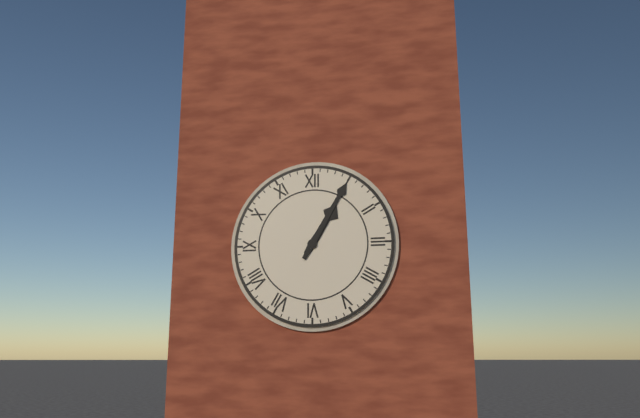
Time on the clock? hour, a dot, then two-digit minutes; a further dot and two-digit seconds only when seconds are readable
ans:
1.05
